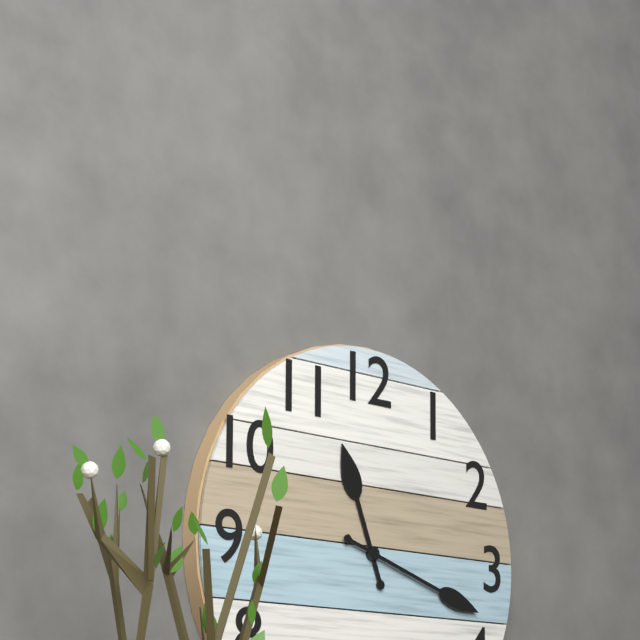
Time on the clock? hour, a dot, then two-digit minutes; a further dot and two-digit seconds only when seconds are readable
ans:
11.18
